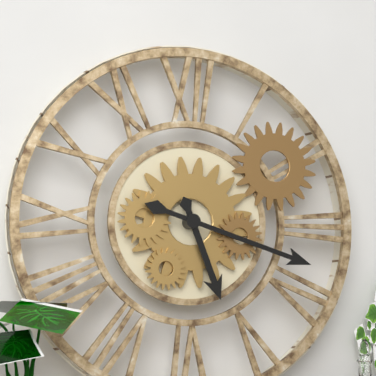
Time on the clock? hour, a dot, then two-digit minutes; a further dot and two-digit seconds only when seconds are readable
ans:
5.18
